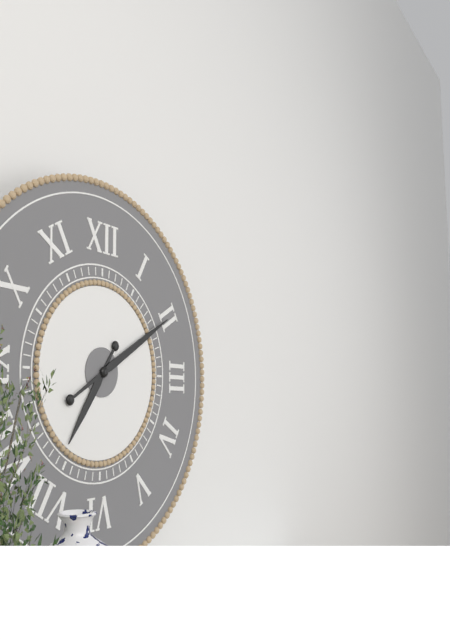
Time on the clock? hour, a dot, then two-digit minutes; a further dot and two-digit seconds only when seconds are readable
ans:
7.10
